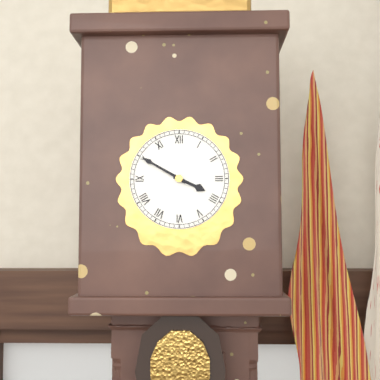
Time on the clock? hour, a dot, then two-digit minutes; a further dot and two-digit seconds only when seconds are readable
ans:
3.50
